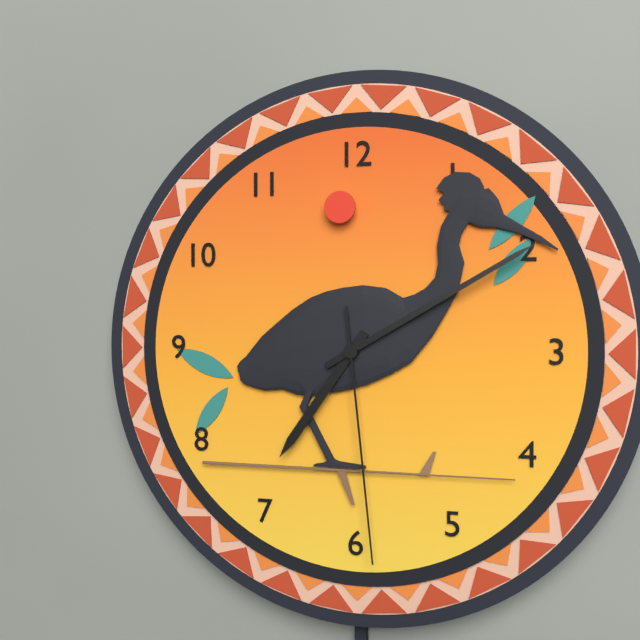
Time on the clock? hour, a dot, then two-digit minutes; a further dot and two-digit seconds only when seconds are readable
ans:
7.10.29
